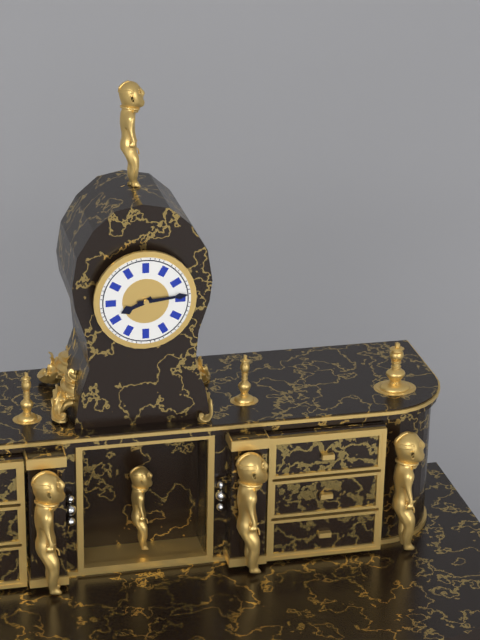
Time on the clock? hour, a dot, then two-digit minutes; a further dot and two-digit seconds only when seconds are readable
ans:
8.14
